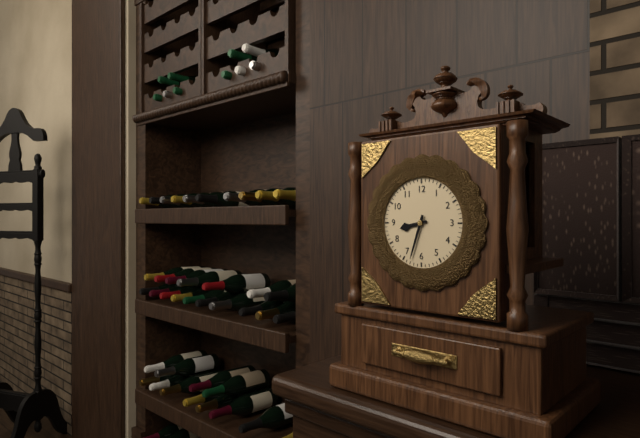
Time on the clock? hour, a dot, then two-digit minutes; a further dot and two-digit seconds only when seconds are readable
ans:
8.33
